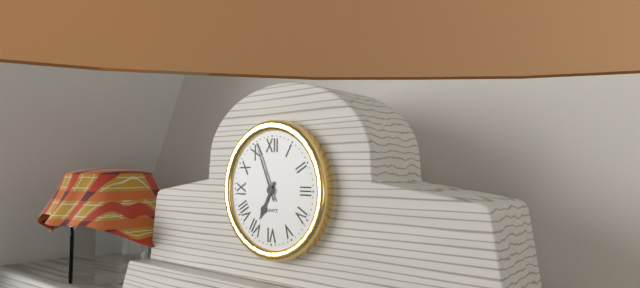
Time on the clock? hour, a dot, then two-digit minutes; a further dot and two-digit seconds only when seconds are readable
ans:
6.56
